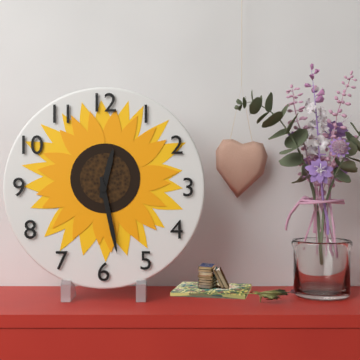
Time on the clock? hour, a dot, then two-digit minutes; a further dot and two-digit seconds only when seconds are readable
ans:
12.28
